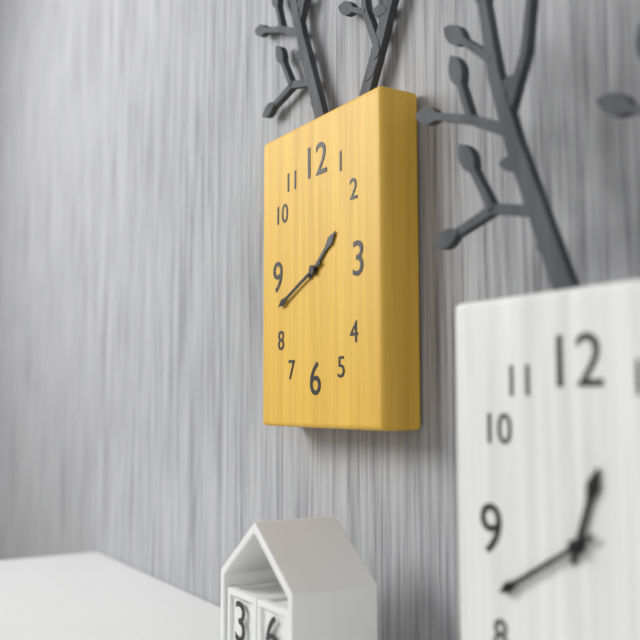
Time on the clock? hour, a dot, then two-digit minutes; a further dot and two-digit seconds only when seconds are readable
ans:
1.41
